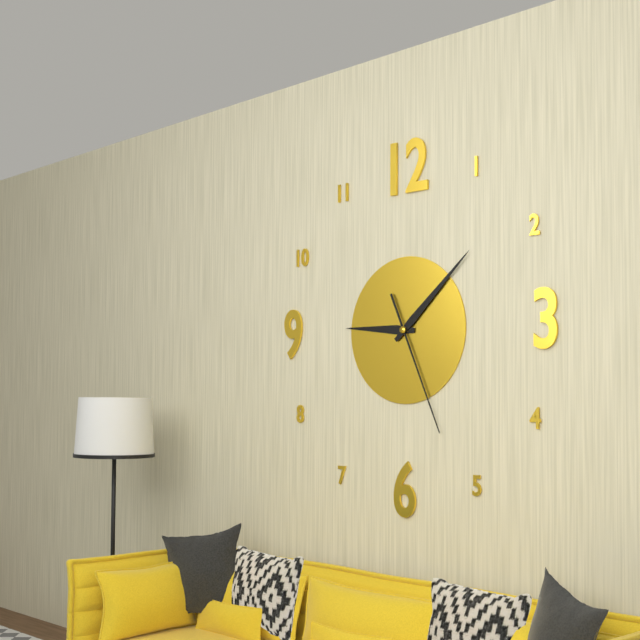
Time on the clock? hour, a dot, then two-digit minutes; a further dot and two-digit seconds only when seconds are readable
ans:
9.08.26
